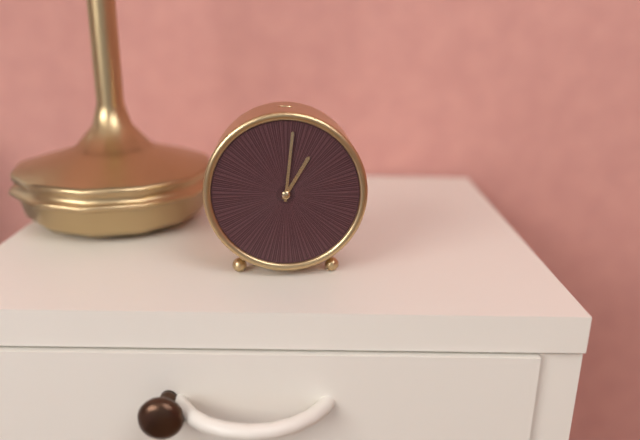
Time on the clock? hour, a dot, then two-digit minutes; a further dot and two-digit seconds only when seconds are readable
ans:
1.01
